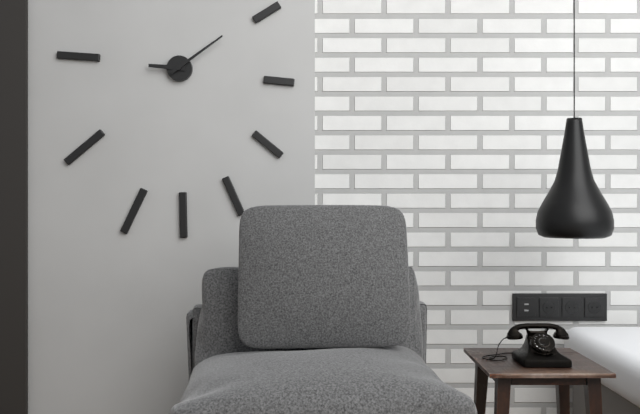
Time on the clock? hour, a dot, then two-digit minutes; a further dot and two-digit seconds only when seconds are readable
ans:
9.09
